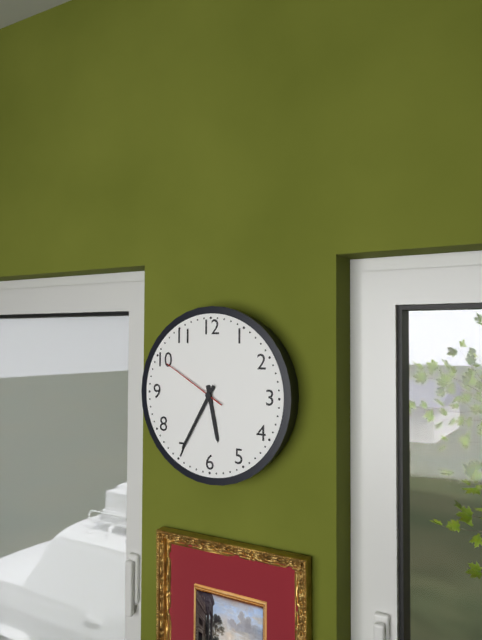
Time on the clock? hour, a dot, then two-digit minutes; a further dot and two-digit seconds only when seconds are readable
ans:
5.35.50
